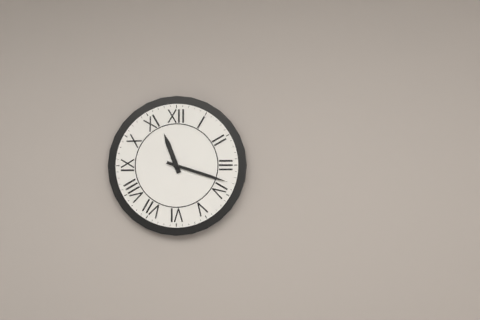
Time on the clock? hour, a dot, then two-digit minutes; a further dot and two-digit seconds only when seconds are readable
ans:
11.18
